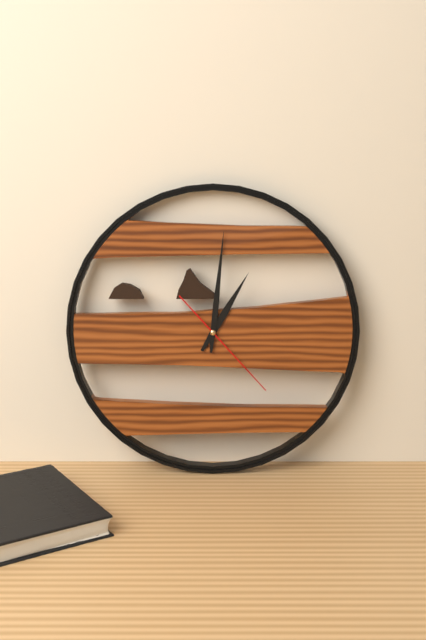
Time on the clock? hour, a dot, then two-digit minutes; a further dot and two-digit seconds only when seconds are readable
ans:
1.01.23
